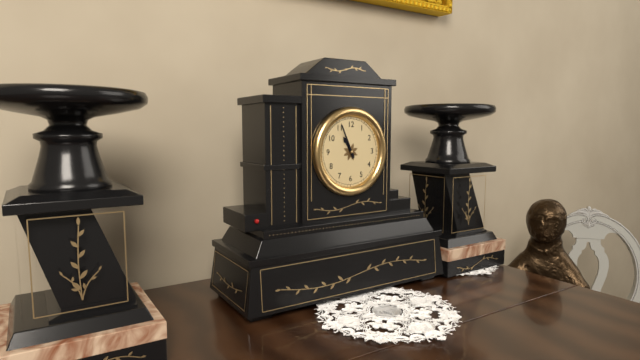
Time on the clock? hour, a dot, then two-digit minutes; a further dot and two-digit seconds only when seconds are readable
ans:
10.56
